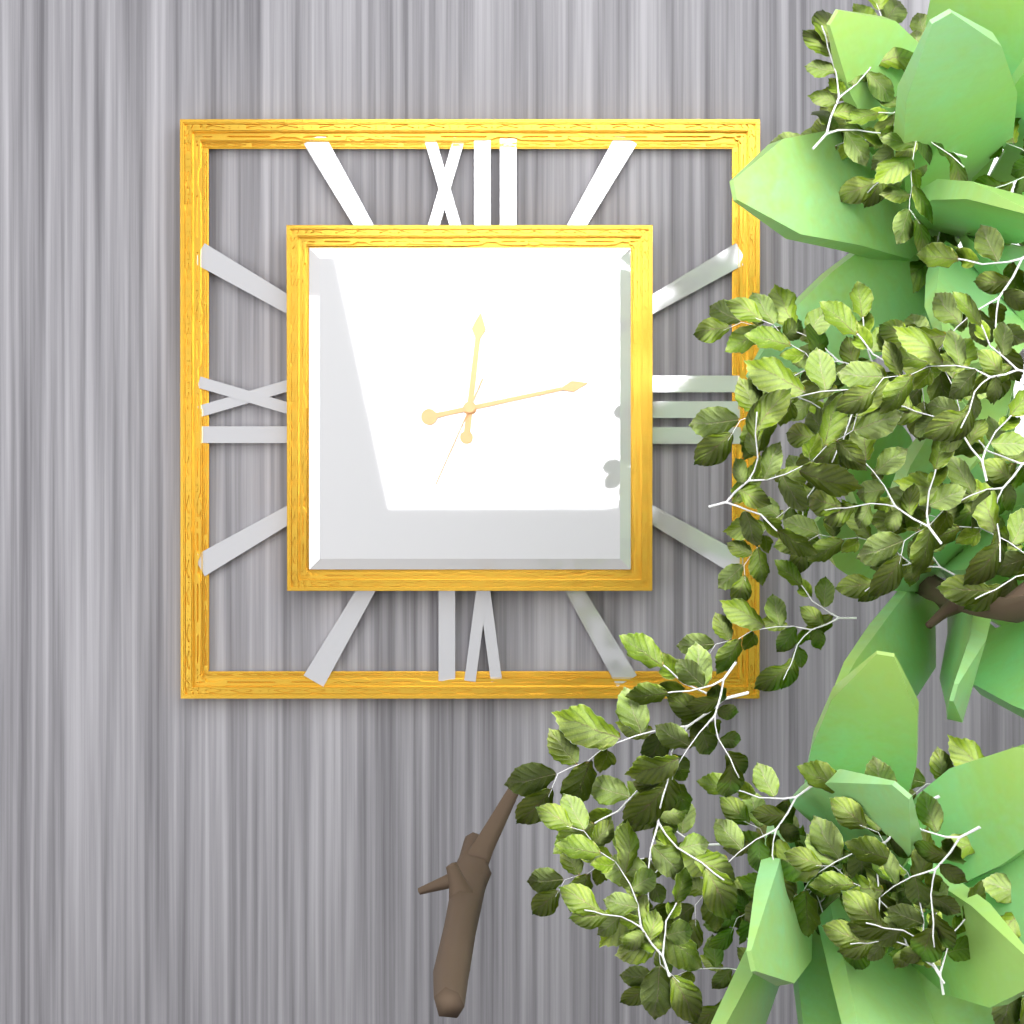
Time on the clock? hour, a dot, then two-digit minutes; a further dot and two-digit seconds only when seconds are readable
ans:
12.13.34
